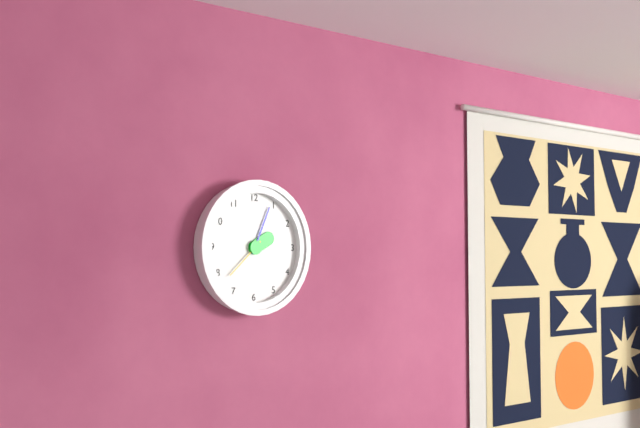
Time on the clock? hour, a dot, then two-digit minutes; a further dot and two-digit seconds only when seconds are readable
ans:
2.04
